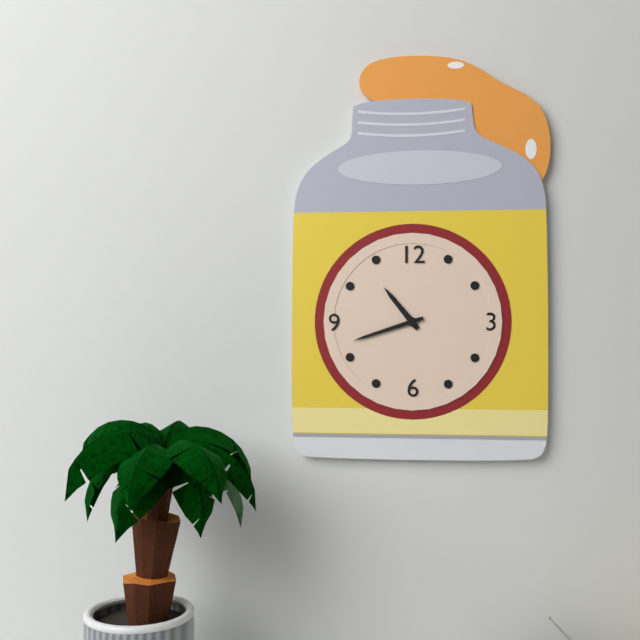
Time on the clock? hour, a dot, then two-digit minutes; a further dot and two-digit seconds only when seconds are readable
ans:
10.42
